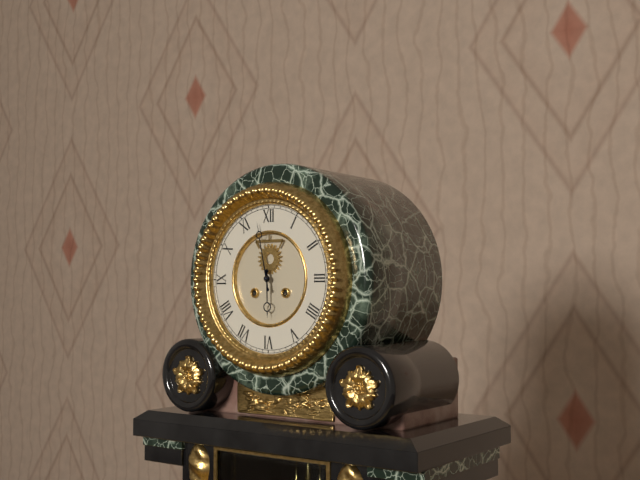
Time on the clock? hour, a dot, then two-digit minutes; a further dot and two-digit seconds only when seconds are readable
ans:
5.58
